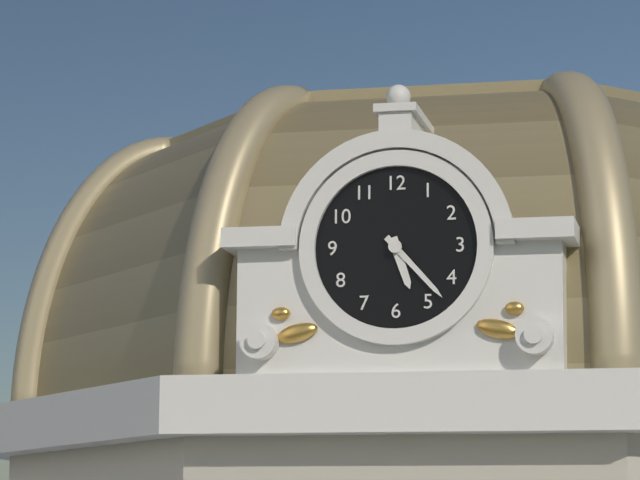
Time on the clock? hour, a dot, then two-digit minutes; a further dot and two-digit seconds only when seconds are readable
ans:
5.23
